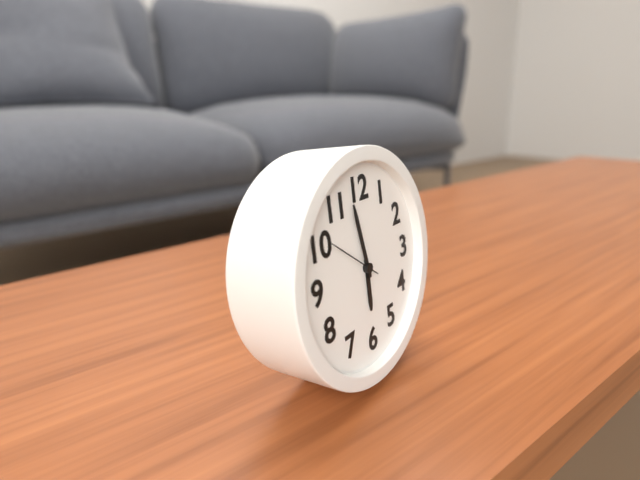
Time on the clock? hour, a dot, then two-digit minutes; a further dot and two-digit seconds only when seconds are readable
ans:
5.58.51
